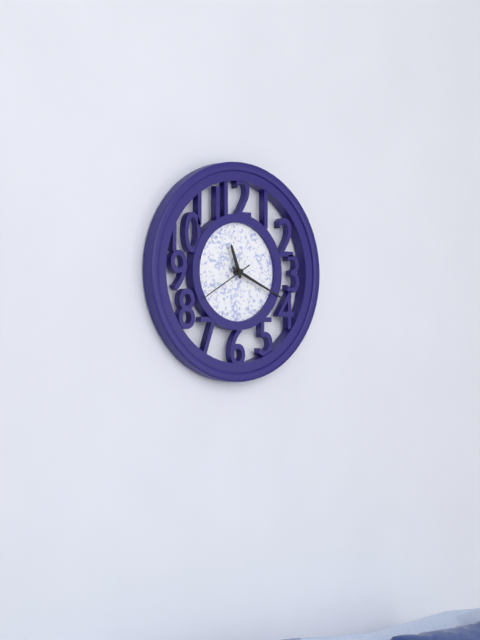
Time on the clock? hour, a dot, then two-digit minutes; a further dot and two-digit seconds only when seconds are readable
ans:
11.19
